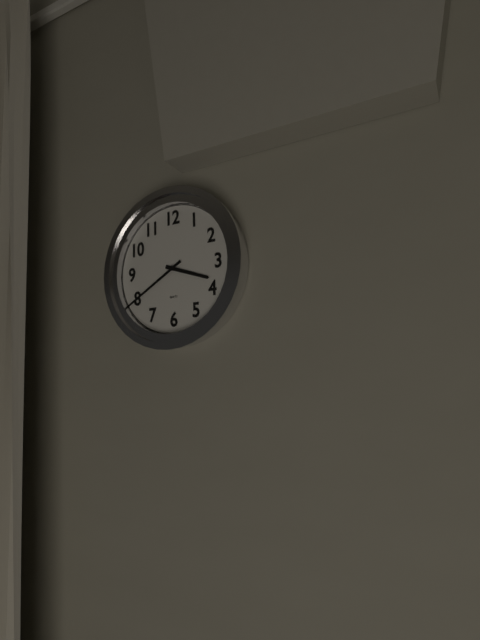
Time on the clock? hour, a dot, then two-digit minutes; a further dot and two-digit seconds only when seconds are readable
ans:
3.40
